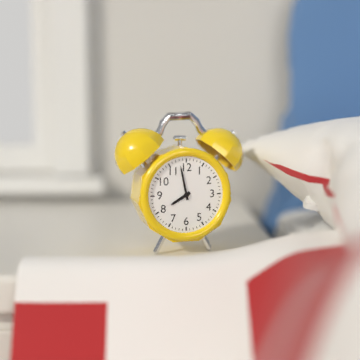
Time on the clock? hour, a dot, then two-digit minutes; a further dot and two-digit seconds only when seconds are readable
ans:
7.58
